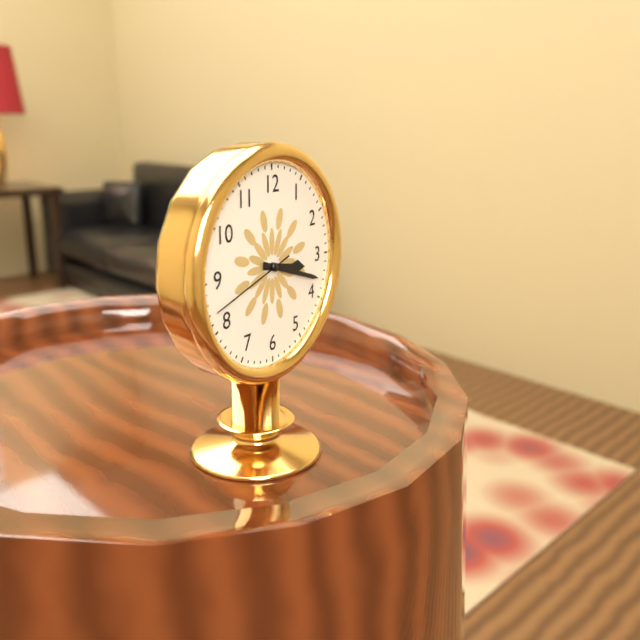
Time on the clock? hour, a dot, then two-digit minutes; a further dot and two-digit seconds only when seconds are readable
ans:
3.18.42
